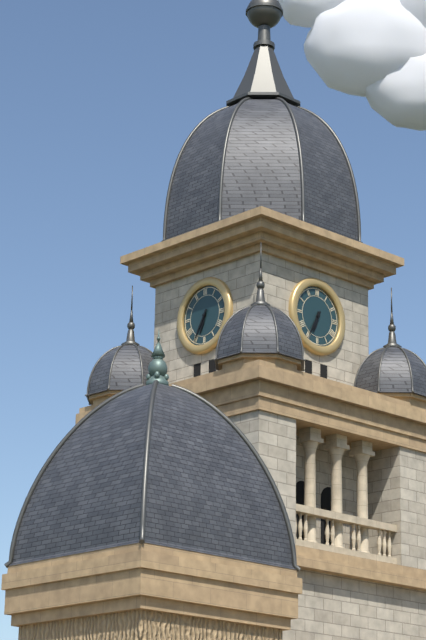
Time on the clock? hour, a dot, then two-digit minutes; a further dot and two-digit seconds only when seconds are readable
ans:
6.35
